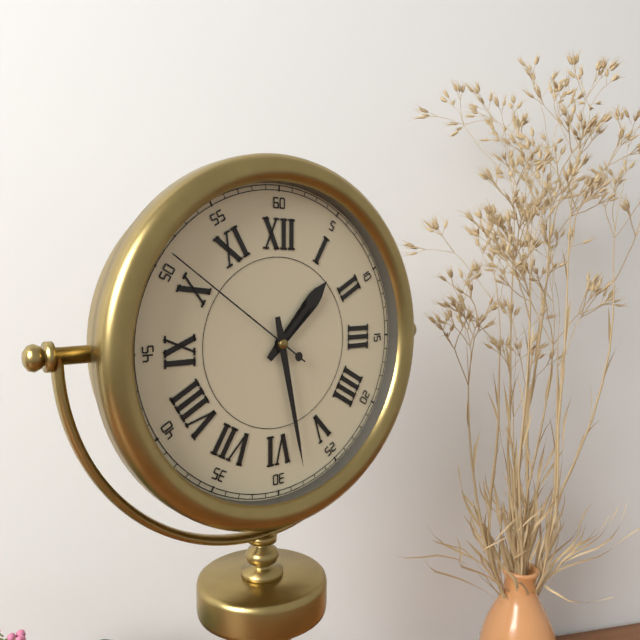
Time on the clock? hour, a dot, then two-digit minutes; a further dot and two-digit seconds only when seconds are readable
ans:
1.28.51
